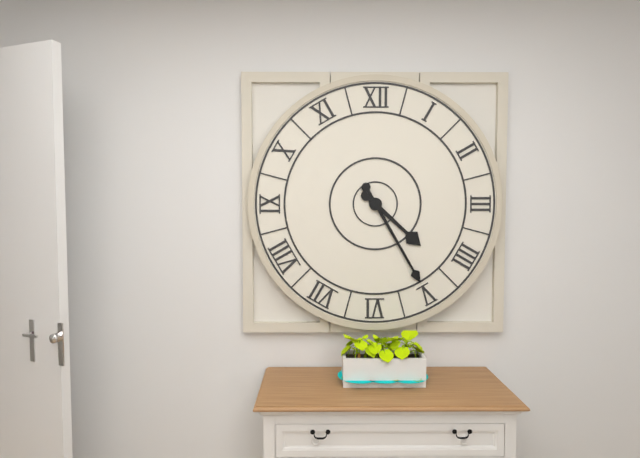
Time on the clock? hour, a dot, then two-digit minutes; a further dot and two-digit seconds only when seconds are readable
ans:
4.25
